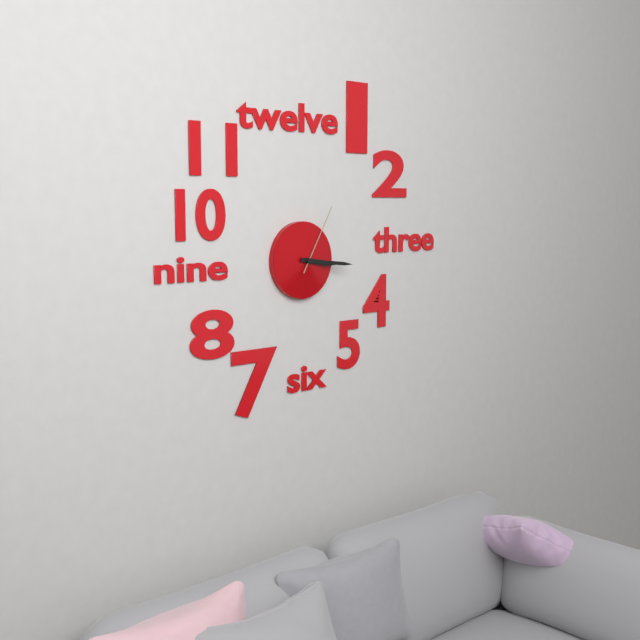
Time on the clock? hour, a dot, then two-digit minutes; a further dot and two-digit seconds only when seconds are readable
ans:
3.16.05
